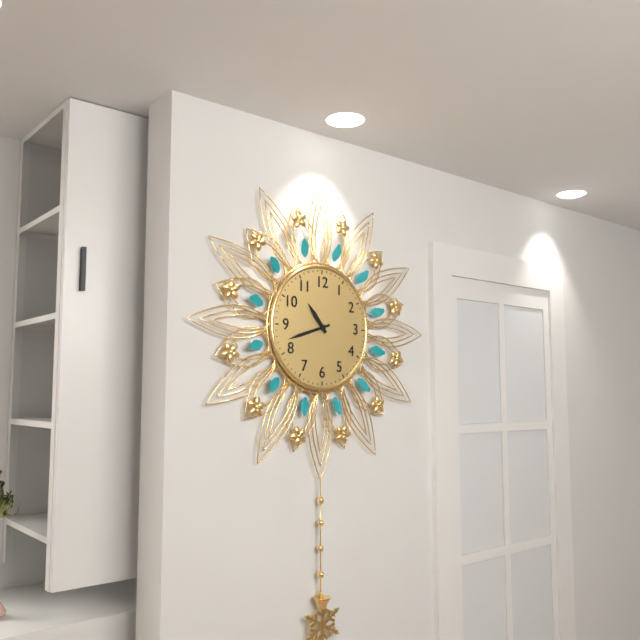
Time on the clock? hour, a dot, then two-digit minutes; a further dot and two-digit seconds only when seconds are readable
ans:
10.42
